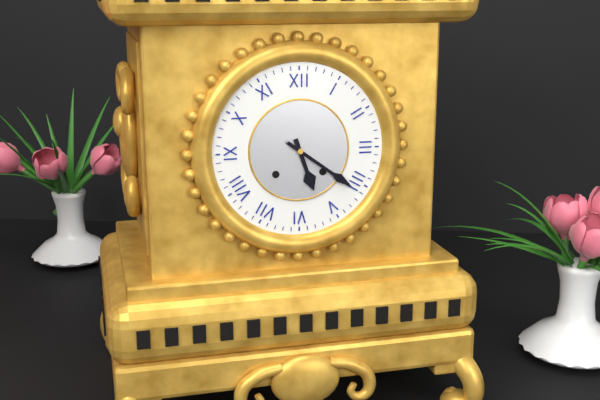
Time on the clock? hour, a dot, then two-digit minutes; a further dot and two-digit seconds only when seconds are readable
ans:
5.21
